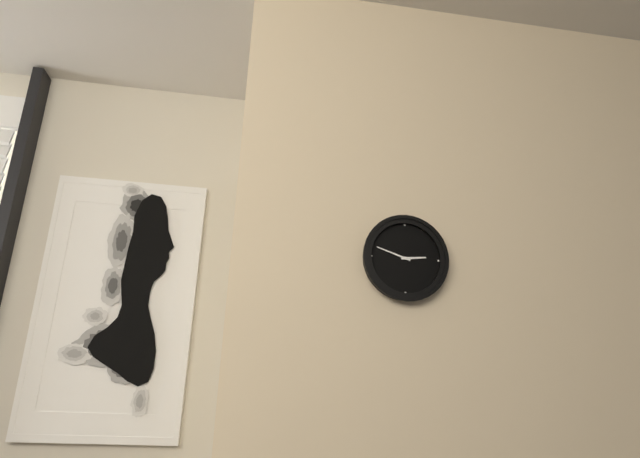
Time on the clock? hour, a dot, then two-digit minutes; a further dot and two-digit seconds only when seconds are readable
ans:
2.48
